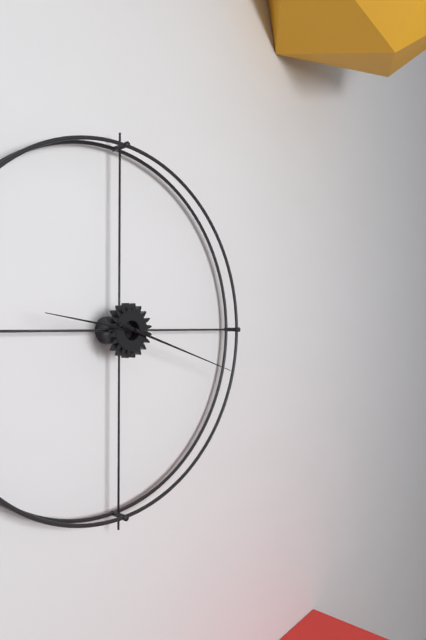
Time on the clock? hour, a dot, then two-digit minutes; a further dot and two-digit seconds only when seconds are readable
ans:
9.18
